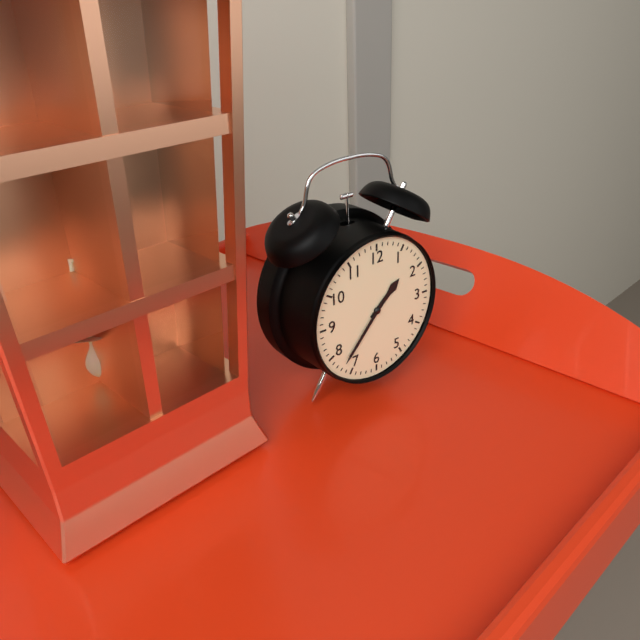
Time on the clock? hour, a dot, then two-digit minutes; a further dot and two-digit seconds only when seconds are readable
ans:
1.37
